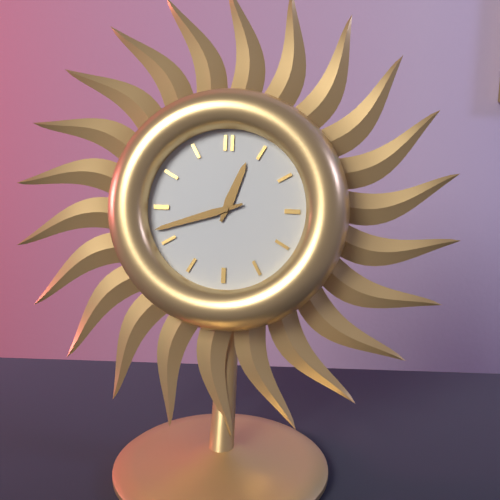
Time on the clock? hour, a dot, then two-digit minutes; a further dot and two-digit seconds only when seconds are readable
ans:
12.42
